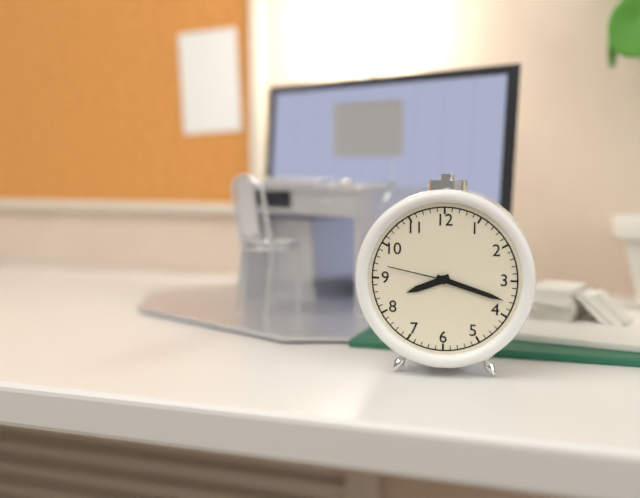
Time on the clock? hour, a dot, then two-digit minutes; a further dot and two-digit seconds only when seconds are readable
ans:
8.18.47
